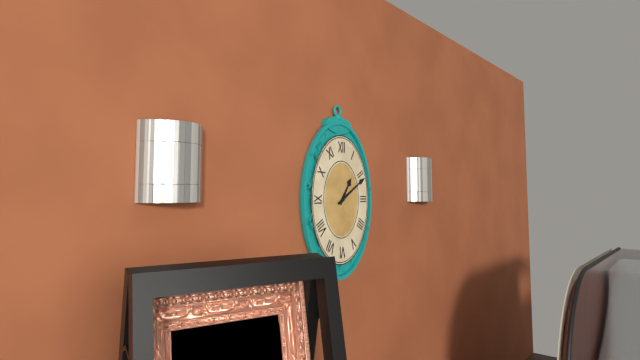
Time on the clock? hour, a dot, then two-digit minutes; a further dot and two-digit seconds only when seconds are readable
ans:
1.10
